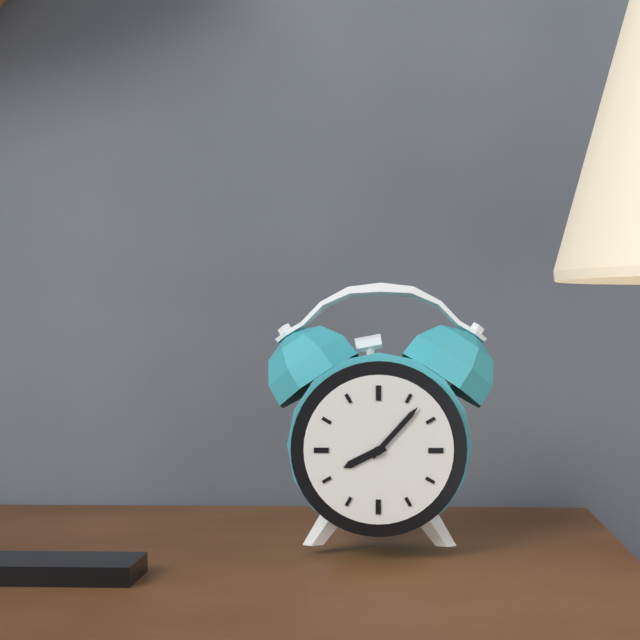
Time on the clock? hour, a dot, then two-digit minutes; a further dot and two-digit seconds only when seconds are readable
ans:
8.07
